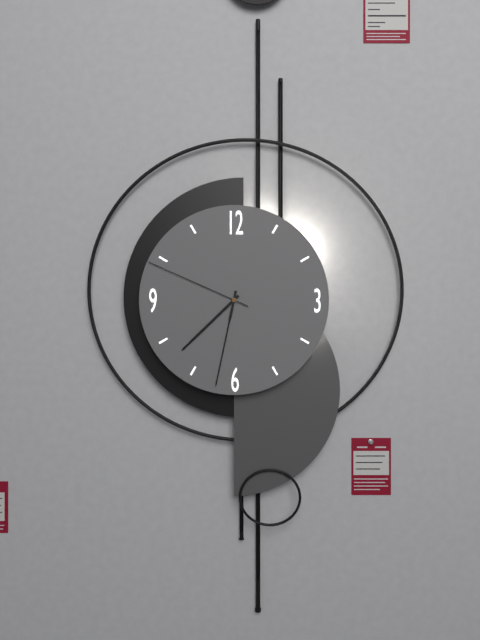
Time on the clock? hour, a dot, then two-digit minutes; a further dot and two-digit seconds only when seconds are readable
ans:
7.32.49
